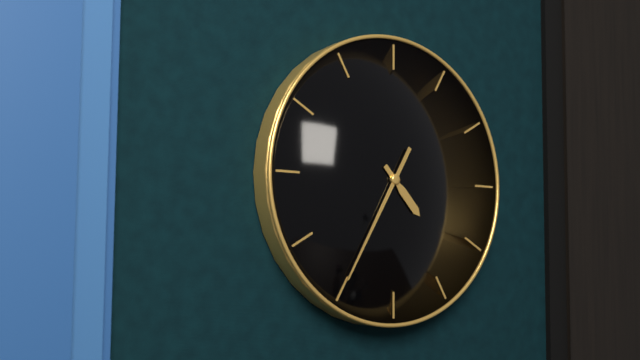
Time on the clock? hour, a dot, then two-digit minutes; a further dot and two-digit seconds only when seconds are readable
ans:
4.35
